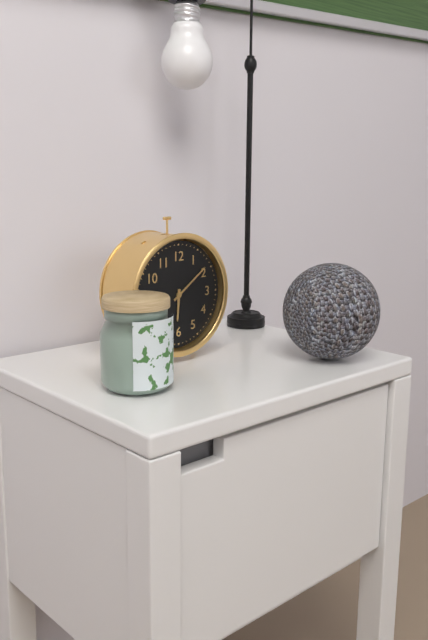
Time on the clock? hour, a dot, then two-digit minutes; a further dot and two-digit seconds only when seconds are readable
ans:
6.09
